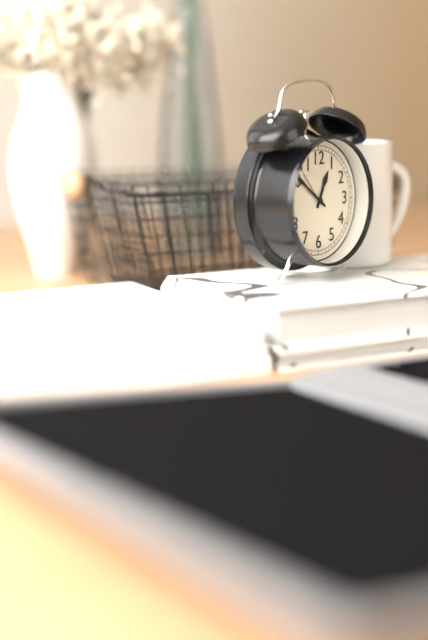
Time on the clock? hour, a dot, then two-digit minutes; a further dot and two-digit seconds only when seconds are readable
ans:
12.51
